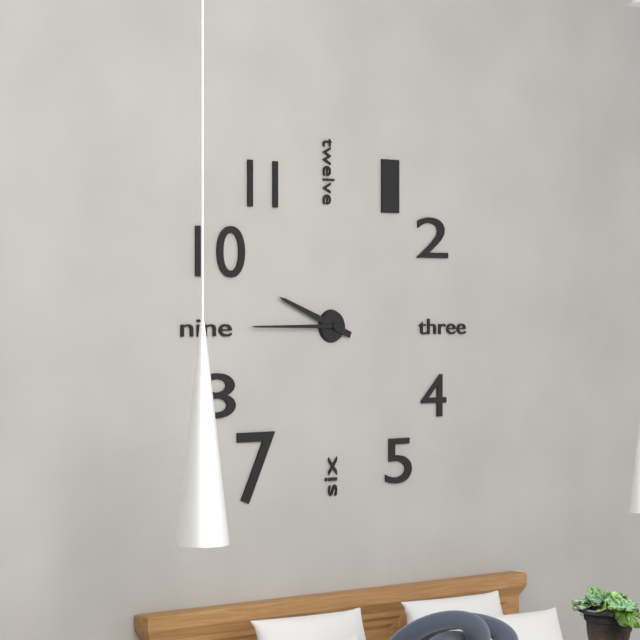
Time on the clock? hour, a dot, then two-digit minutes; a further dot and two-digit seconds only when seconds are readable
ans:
9.45
